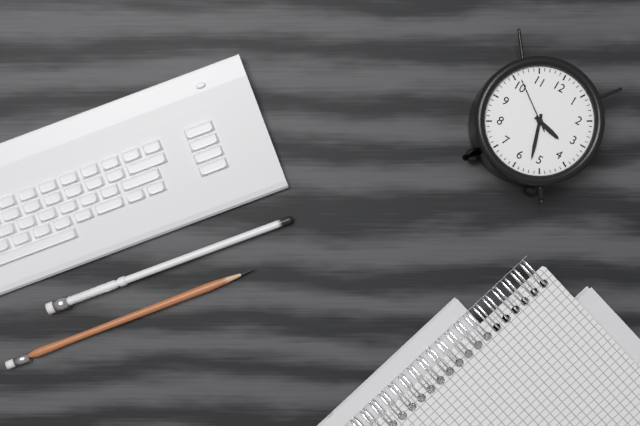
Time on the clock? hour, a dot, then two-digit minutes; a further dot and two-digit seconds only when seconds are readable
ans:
3.27.51
